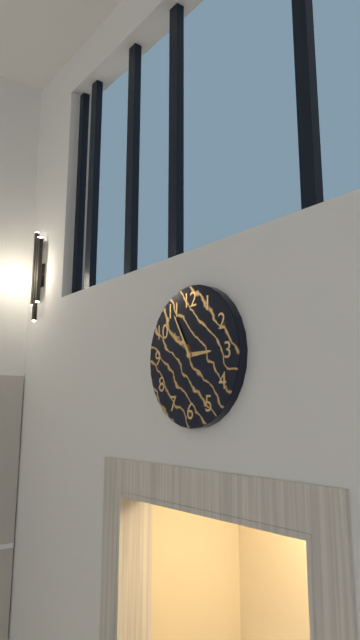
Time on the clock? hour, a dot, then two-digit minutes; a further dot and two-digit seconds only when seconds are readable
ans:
2.55
